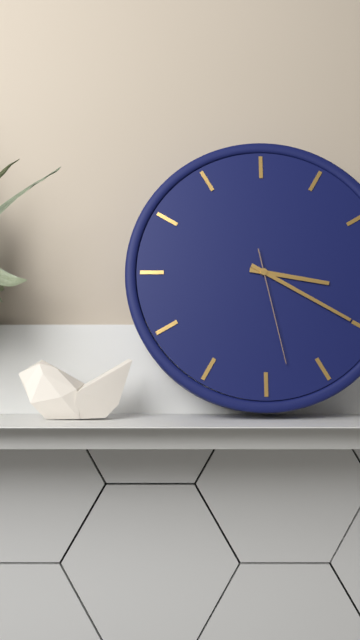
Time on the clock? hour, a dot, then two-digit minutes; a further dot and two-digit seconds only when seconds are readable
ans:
3.20.28
